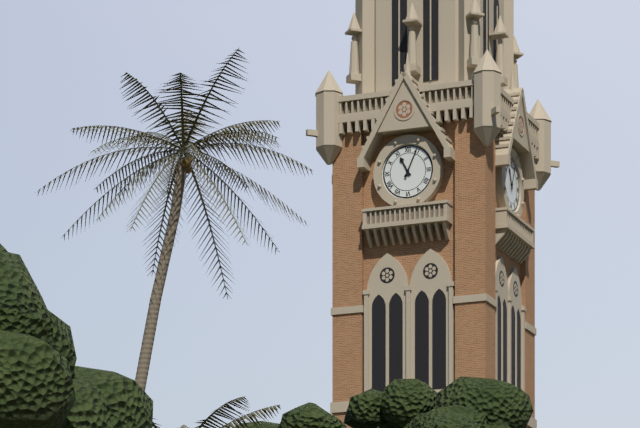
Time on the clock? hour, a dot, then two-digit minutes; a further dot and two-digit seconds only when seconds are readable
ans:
11.04
